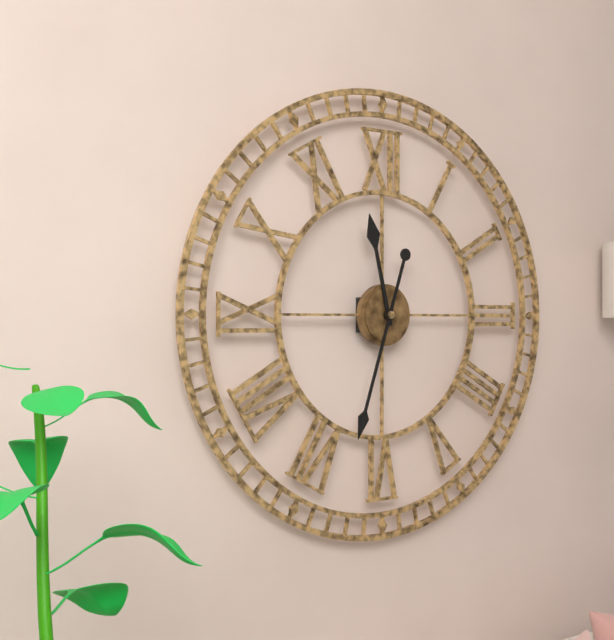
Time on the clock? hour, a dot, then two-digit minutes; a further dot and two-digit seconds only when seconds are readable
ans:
11.33
